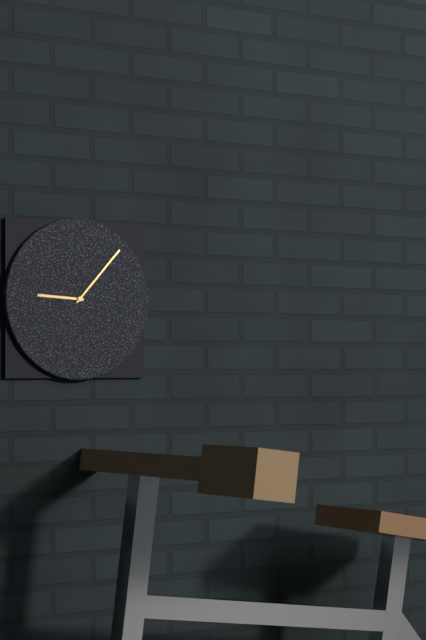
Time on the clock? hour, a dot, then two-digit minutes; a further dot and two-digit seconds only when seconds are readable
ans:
9.07
